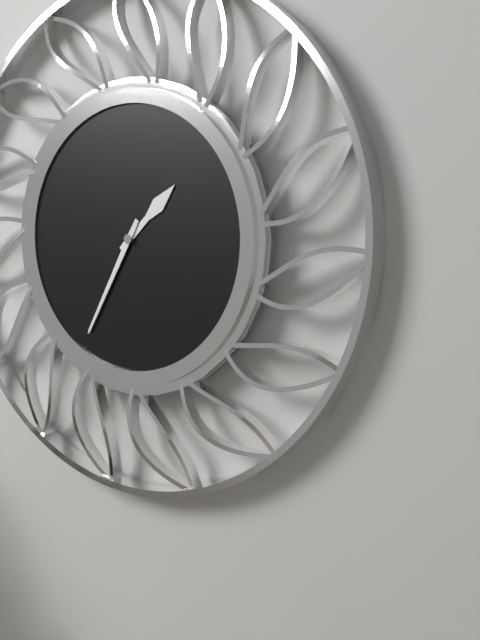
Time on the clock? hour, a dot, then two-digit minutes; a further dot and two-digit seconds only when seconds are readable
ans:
1.35
